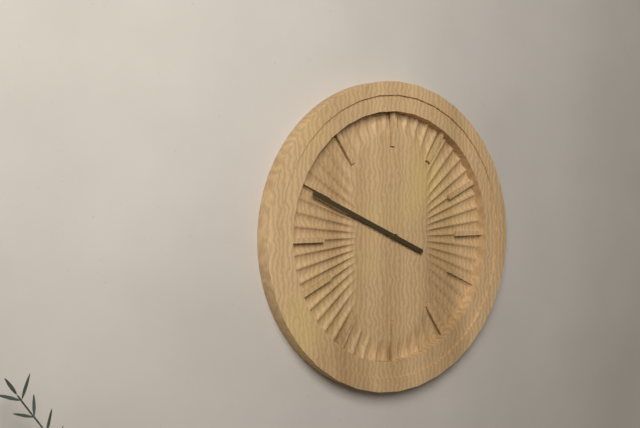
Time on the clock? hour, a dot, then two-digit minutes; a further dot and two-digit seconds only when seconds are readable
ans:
9.49
